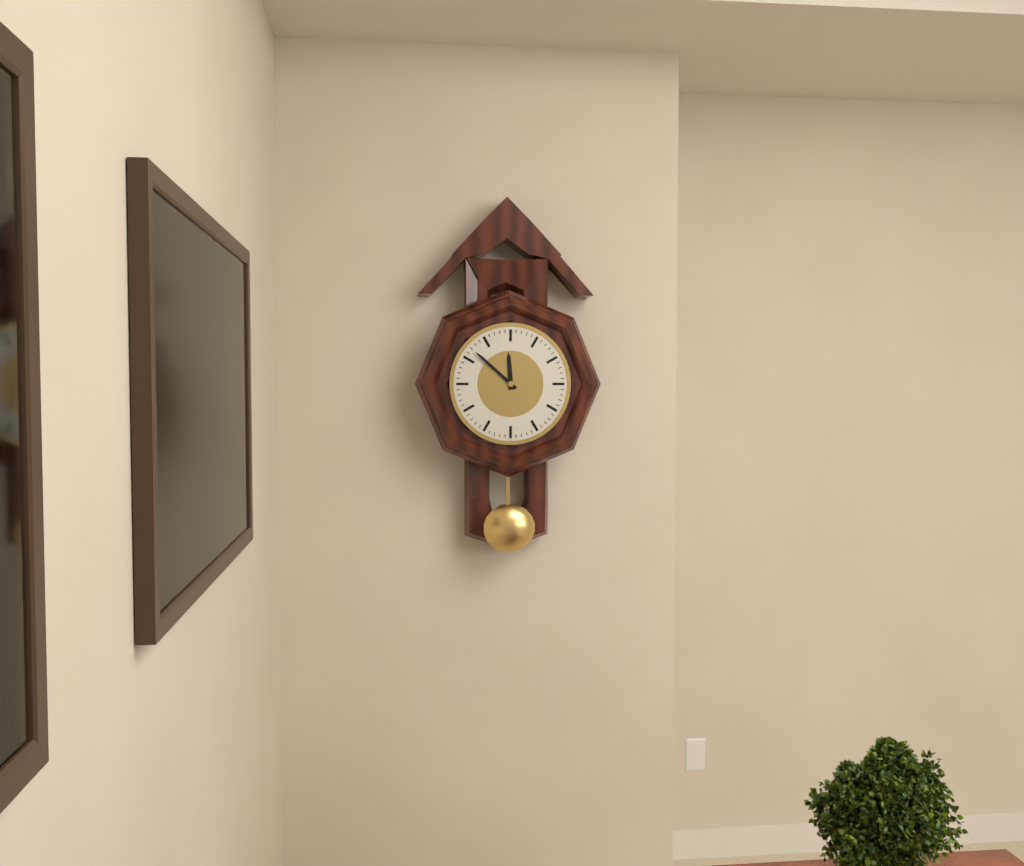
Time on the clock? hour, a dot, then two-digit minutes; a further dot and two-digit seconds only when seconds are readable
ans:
11.52
